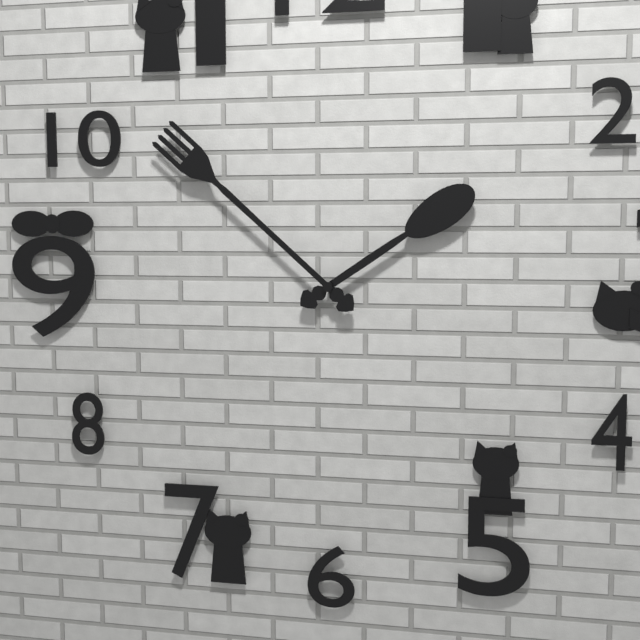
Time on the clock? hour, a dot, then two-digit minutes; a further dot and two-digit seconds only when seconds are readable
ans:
1.52
